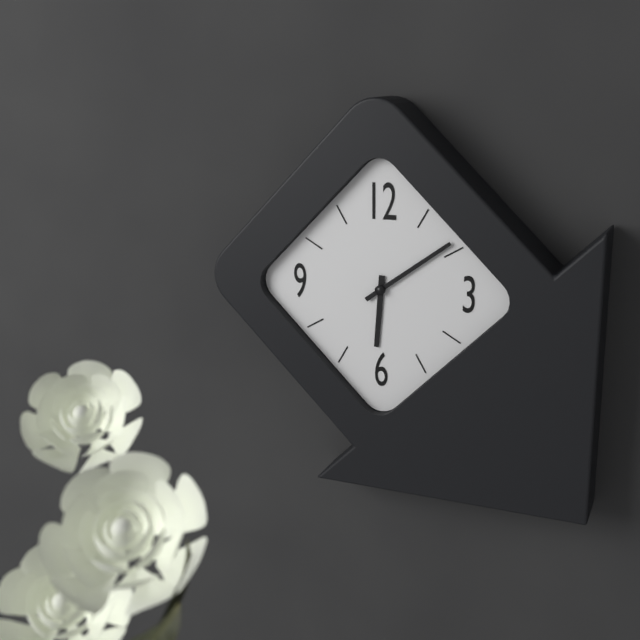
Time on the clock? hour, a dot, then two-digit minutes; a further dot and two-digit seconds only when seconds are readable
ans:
6.09
